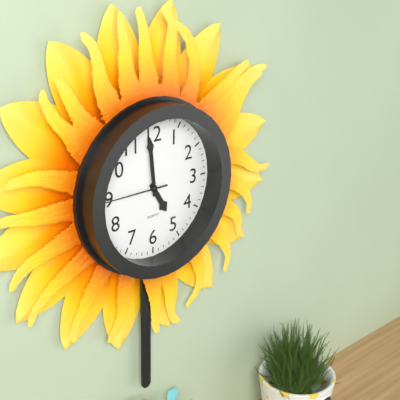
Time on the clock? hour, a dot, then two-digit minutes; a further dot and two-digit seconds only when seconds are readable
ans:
4.59.45
